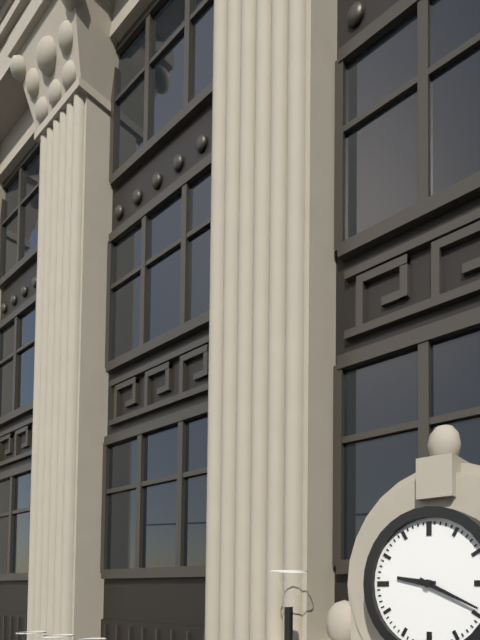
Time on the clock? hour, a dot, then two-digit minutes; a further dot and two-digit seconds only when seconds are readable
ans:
9.19
